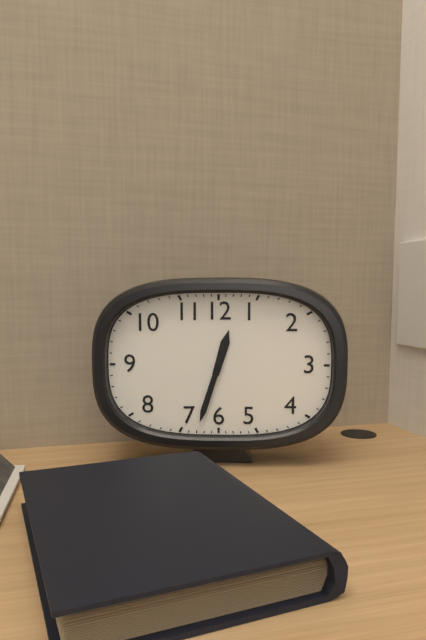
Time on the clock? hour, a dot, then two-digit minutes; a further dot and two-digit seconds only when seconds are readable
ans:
12.33
